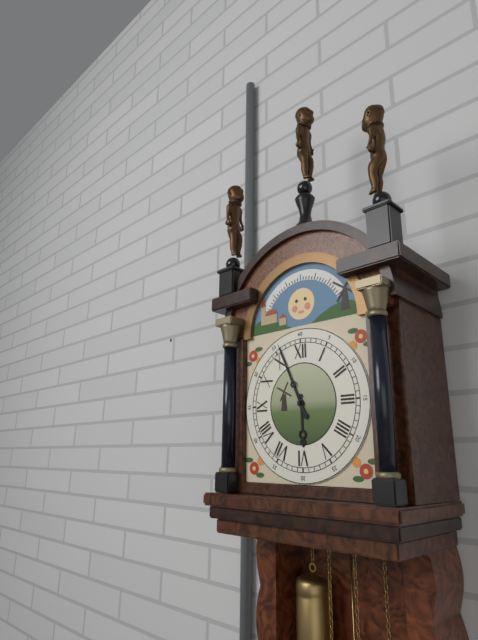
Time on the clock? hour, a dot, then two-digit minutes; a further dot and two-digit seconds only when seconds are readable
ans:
5.56
